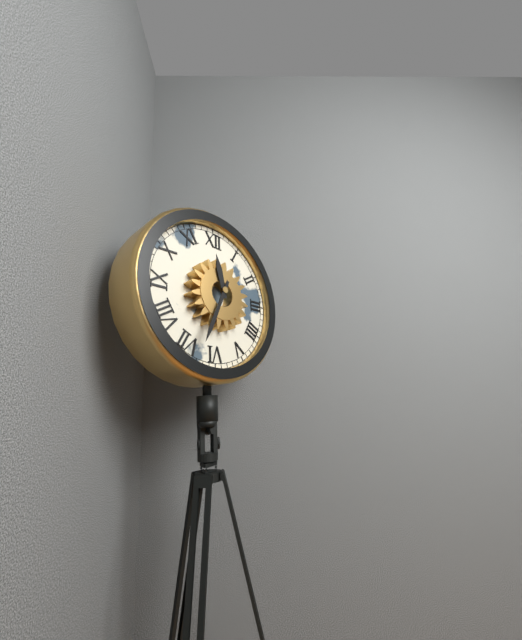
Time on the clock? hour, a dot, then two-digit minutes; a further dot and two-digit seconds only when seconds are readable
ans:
11.34
